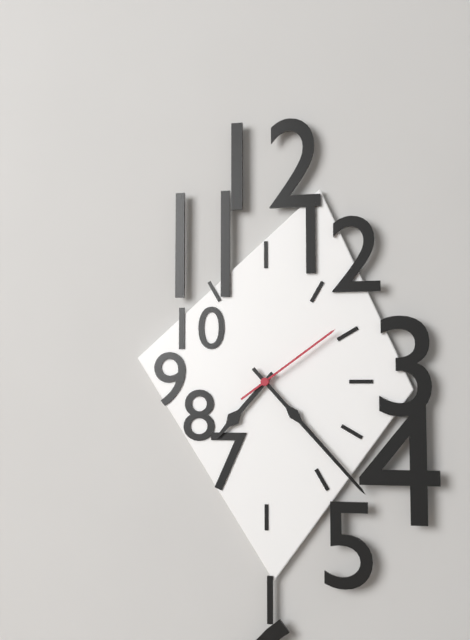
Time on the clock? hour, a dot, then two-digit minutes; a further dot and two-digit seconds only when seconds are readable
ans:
7.23.09
